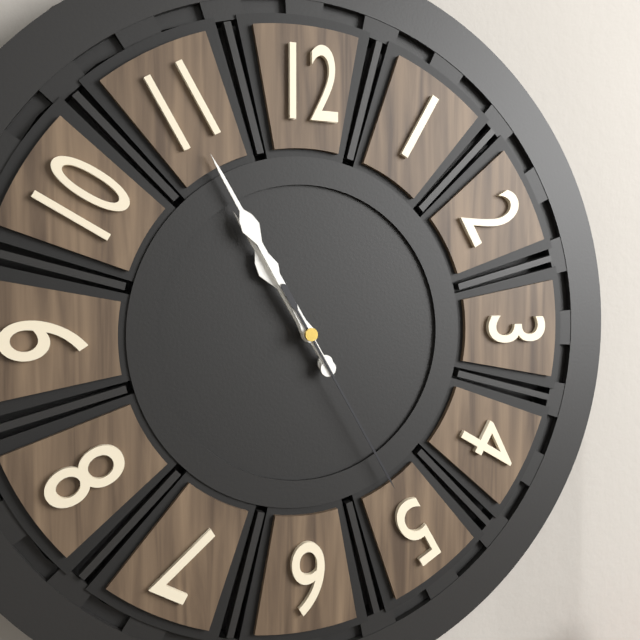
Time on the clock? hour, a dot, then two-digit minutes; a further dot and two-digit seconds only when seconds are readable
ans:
10.55.25
